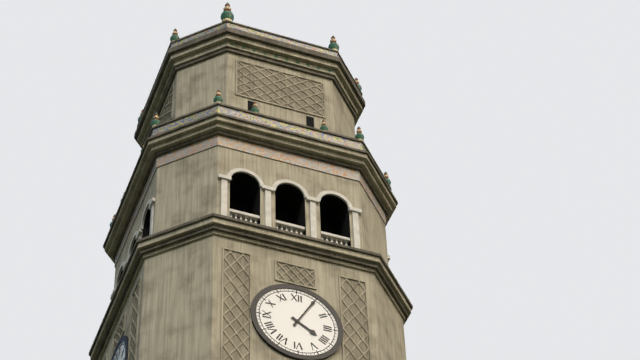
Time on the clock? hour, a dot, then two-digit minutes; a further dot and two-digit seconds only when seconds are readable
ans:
4.05
